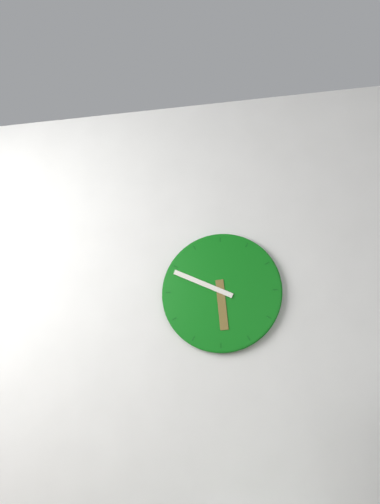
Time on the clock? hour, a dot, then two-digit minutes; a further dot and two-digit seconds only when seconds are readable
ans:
5.49
